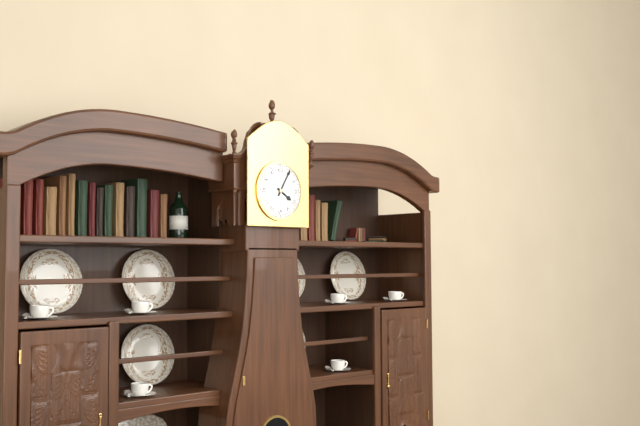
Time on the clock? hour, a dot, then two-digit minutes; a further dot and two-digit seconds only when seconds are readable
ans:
4.05
